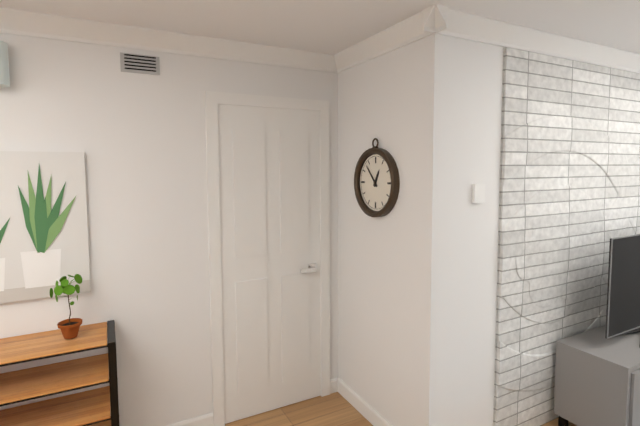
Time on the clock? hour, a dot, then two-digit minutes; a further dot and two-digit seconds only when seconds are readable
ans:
12.53
